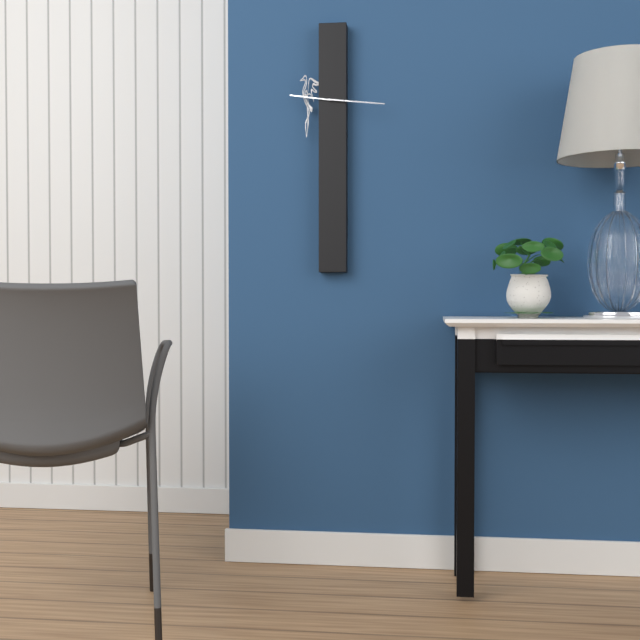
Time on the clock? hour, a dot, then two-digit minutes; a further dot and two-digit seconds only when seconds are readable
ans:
9.16
